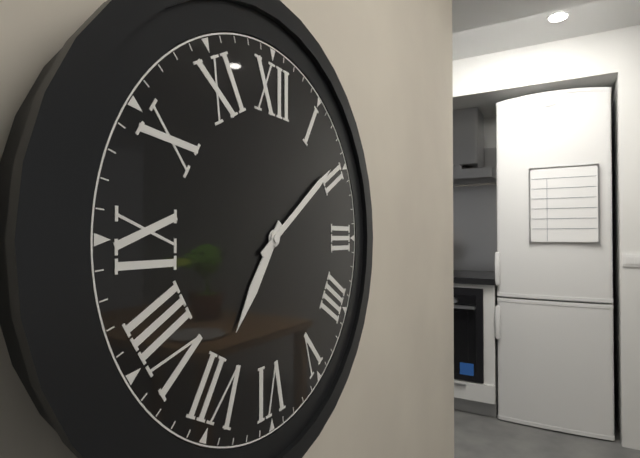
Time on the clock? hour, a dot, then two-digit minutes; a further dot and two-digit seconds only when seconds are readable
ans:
7.09
